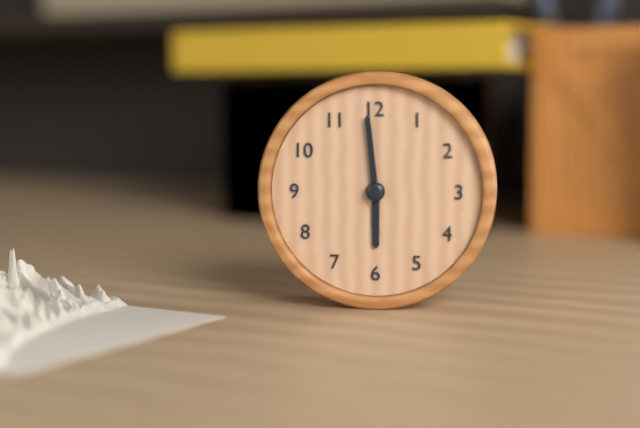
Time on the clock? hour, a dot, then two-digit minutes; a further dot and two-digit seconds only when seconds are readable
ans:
5.59
